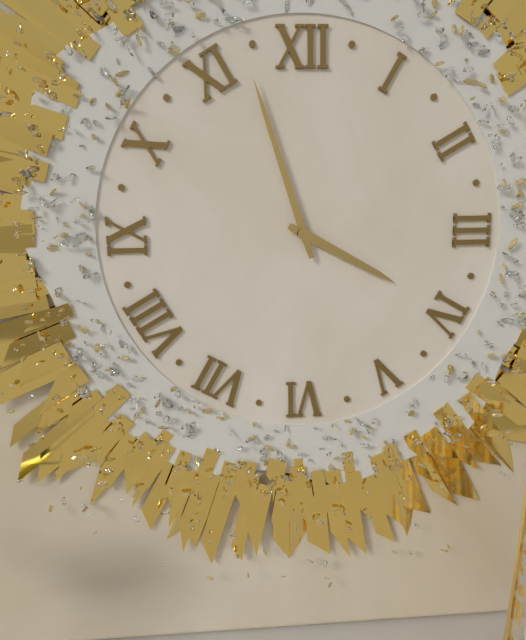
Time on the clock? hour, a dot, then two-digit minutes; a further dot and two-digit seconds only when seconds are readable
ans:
3.57
